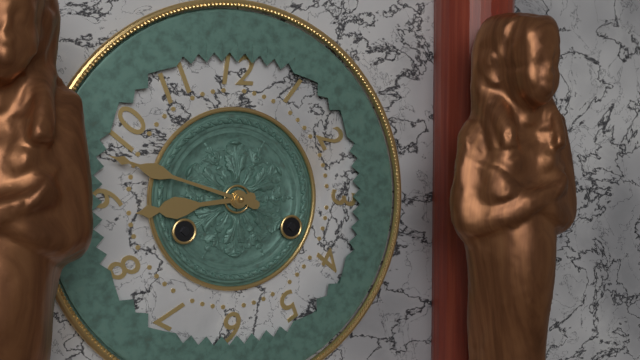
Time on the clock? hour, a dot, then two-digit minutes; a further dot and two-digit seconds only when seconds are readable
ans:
8.48
